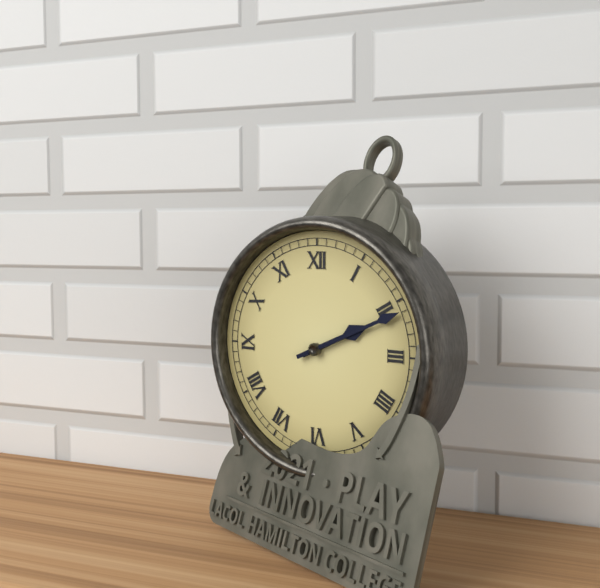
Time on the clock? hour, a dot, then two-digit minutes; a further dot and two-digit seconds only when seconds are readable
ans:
2.11
